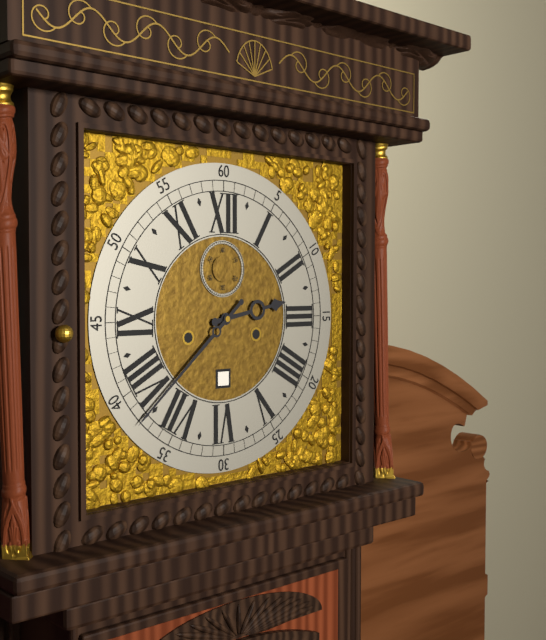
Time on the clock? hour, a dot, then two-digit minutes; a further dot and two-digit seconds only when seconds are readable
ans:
2.38
